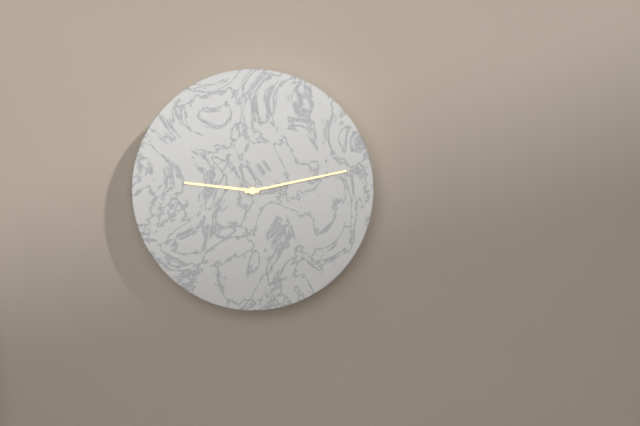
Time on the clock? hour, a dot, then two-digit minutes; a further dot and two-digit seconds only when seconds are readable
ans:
9.13
